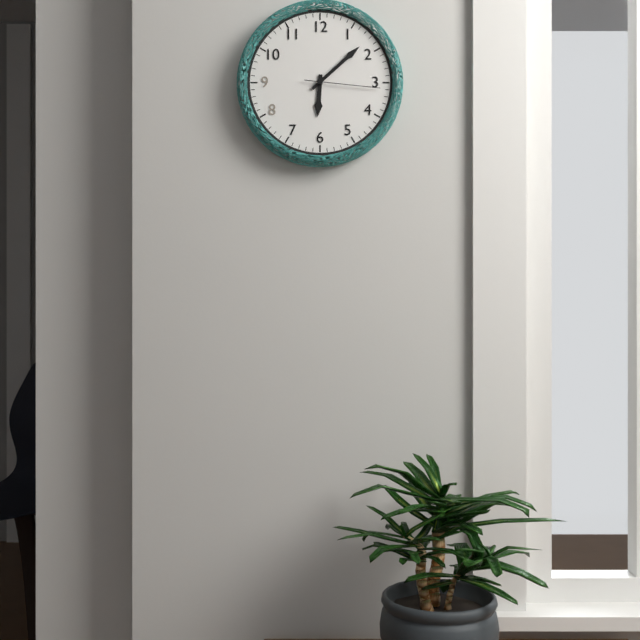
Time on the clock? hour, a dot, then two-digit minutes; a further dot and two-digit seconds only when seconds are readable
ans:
6.08.16
